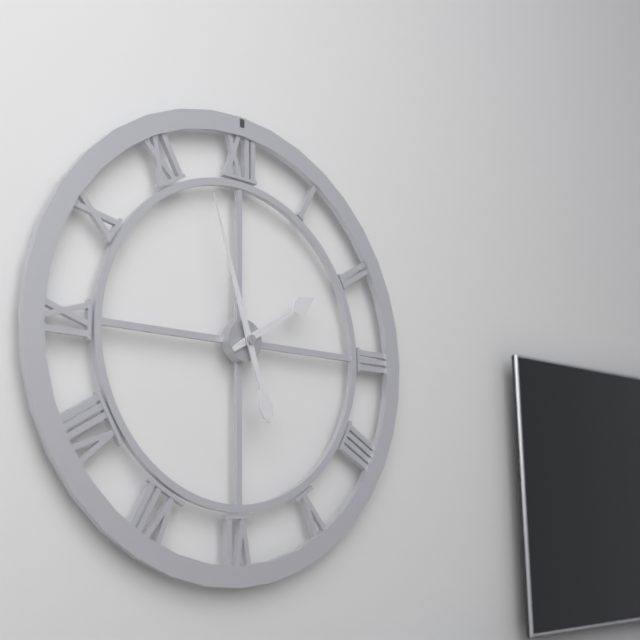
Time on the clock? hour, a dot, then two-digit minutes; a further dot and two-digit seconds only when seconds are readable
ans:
1.57
